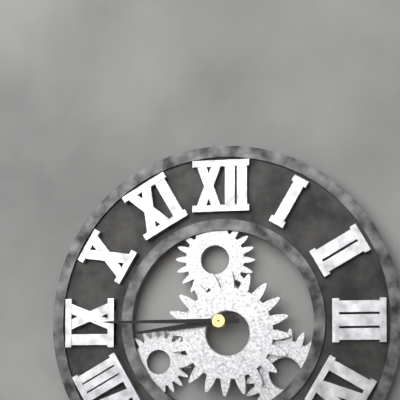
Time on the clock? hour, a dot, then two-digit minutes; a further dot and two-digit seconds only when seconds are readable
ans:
8.45
